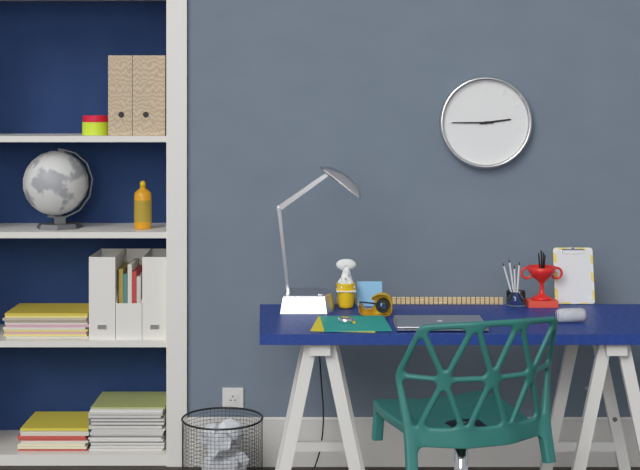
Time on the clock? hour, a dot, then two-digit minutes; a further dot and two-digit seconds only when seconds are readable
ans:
2.45
